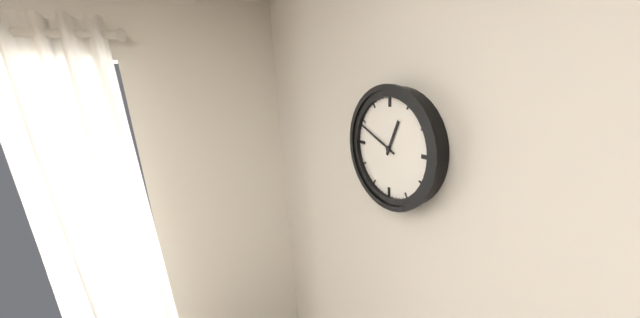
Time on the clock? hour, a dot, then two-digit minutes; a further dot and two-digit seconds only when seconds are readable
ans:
12.49
